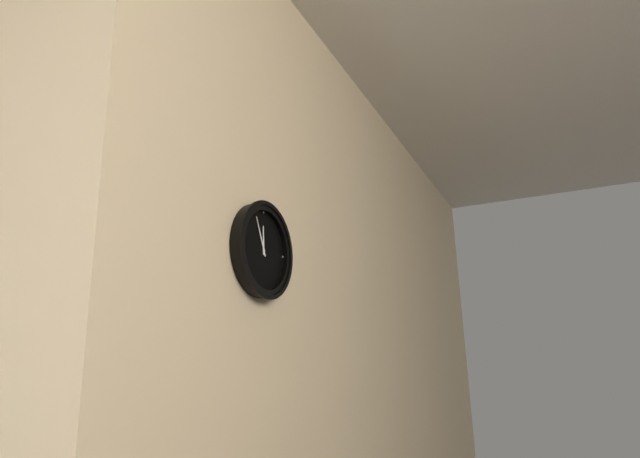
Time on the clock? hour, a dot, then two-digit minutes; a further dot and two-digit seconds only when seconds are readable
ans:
11.56
